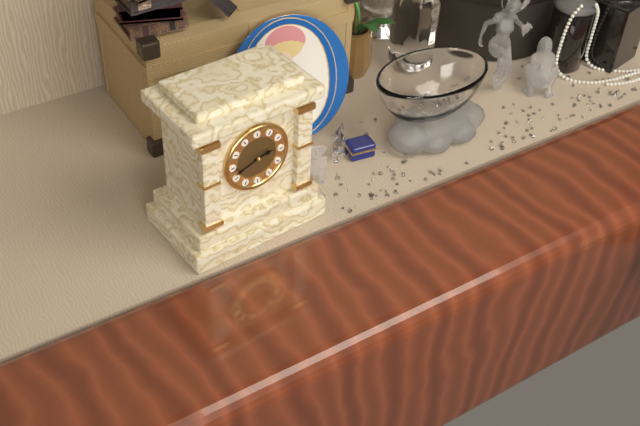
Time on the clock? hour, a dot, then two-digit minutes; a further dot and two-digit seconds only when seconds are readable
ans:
2.42
